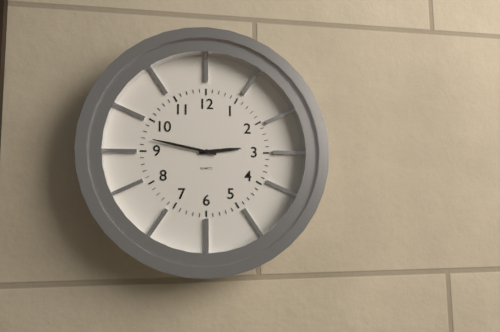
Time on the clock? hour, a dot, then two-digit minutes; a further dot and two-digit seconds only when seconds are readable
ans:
2.47
